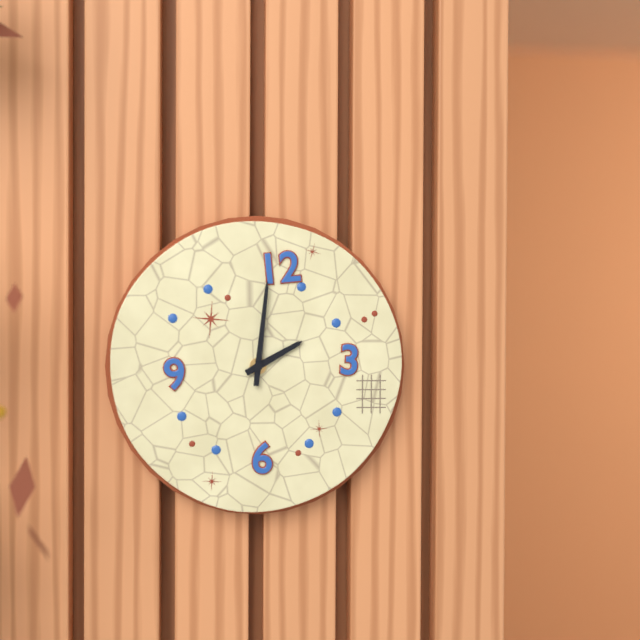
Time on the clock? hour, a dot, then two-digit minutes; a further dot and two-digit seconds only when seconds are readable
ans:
2.01
